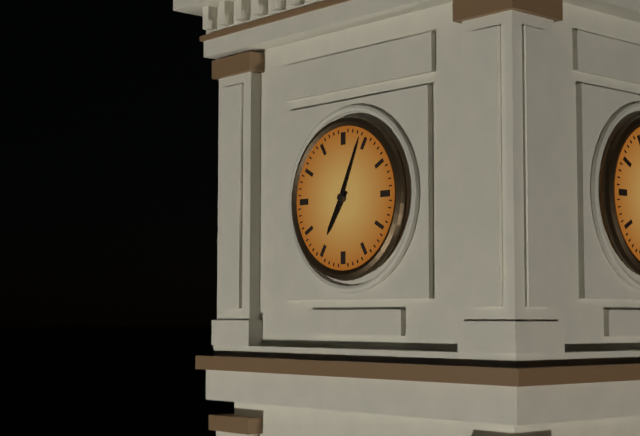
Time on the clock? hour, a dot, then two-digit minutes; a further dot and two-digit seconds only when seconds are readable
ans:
7.04
